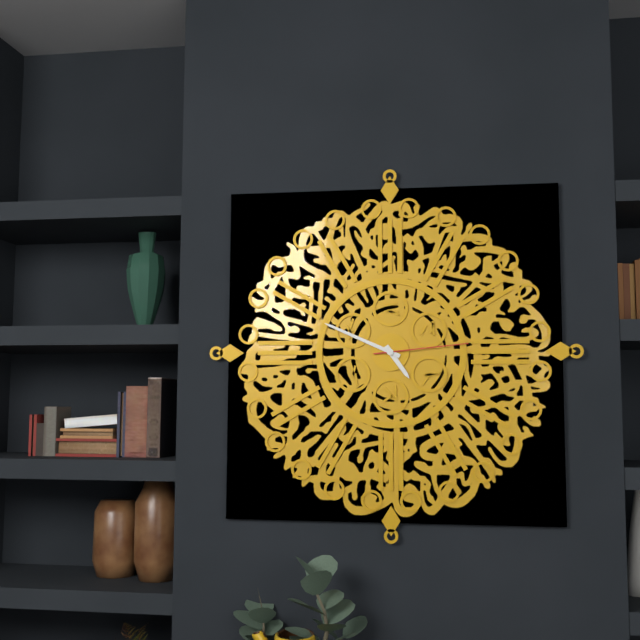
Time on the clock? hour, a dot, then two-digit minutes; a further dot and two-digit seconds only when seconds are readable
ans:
4.49.14
